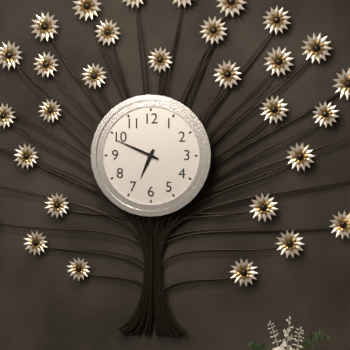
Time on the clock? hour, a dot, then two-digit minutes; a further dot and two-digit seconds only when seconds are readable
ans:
6.49
